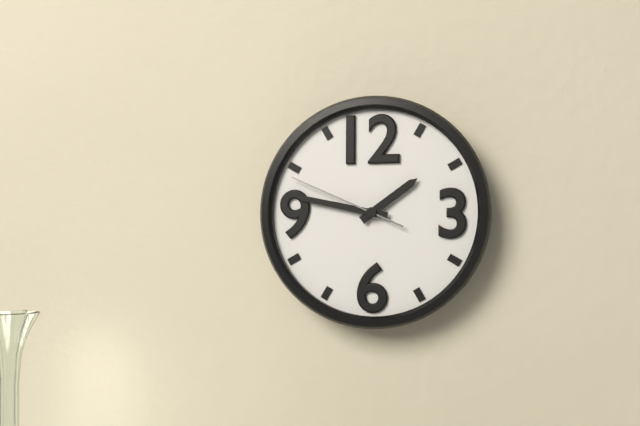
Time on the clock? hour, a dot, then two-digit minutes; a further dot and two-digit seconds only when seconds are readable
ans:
1.47.49
